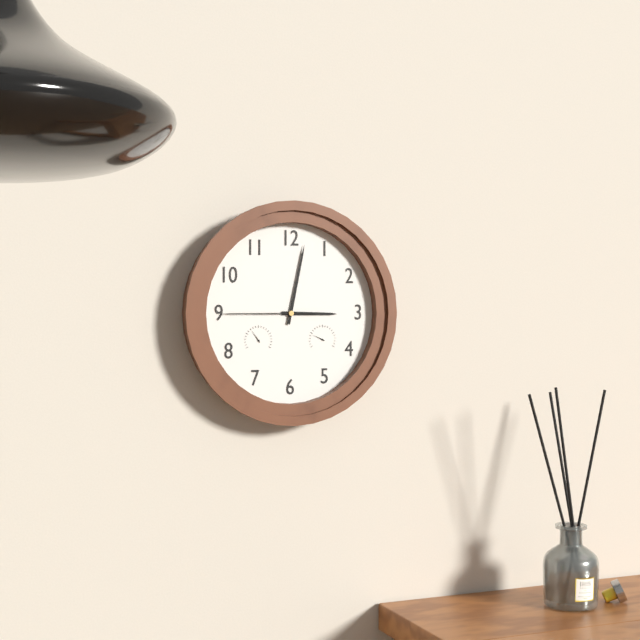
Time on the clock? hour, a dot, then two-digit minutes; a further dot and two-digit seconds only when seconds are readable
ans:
3.02.45
